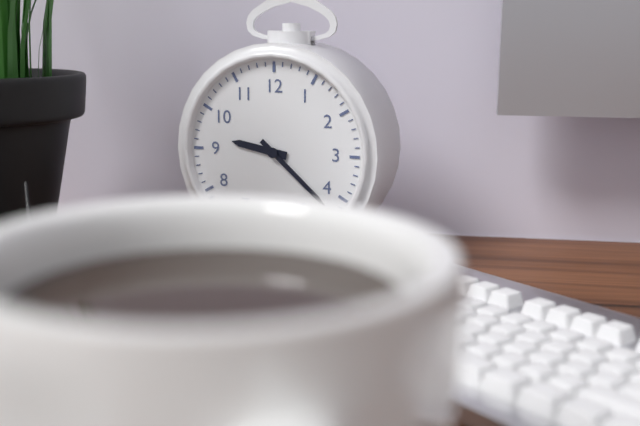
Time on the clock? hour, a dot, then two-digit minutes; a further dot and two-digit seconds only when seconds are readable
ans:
9.22
